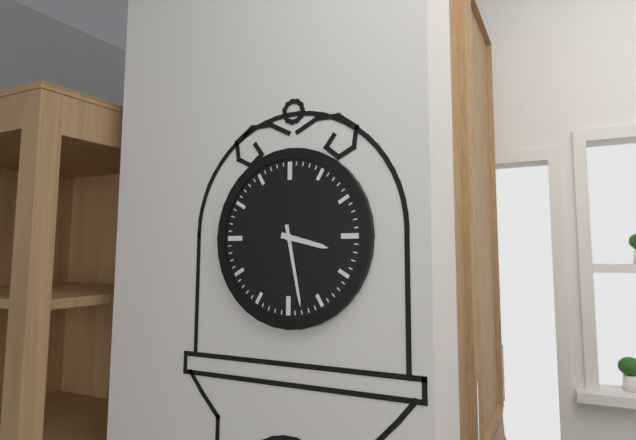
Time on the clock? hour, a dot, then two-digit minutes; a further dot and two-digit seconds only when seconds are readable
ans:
3.28
